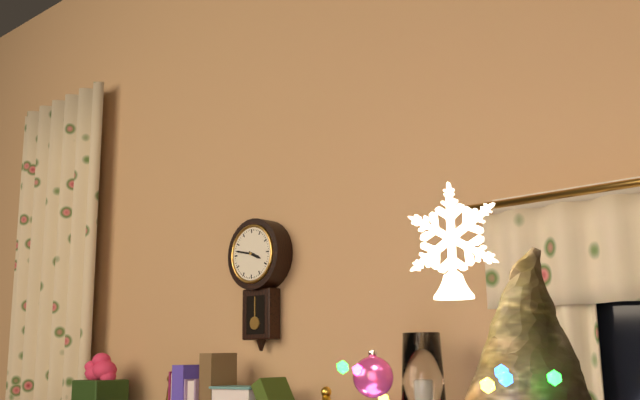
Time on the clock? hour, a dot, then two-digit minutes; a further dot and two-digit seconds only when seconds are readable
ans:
3.47
